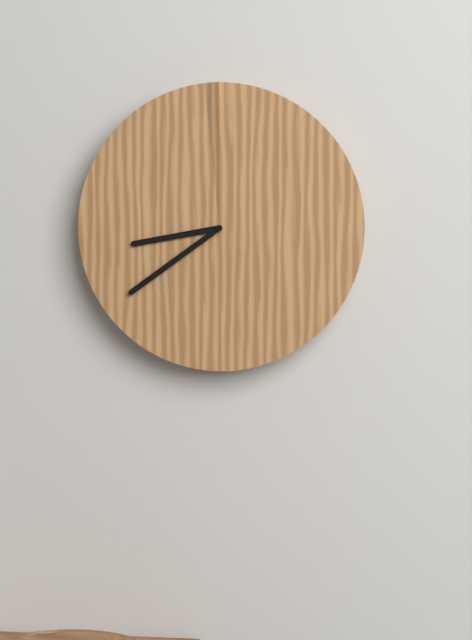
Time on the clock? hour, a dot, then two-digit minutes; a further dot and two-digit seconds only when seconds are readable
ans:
8.39
